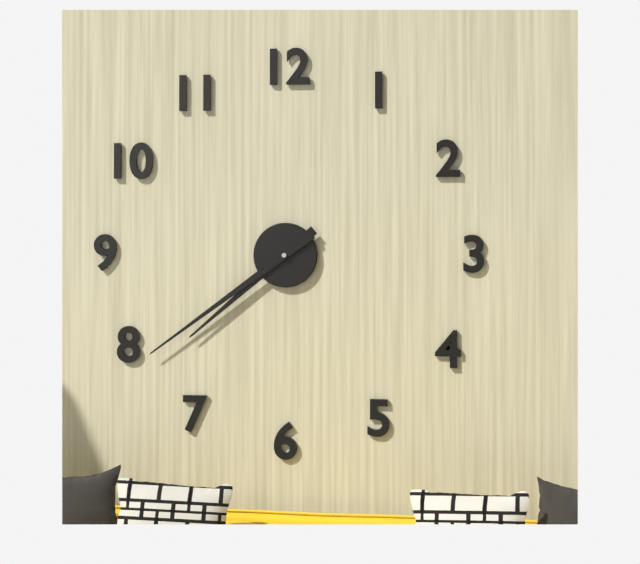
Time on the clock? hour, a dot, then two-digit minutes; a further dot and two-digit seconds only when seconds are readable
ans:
7.39
